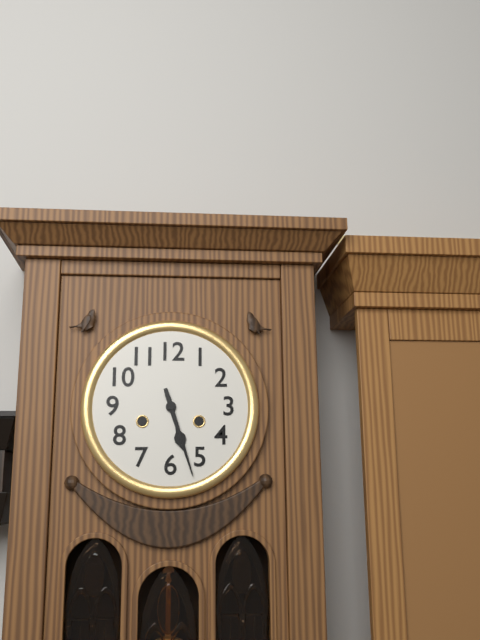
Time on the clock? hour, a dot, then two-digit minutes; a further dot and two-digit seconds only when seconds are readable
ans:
5.27
